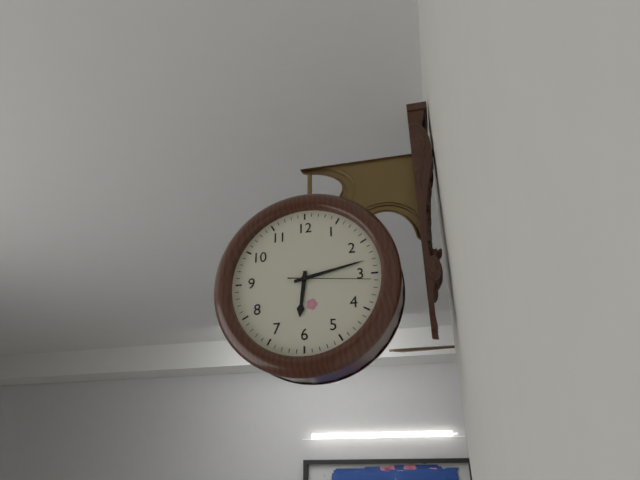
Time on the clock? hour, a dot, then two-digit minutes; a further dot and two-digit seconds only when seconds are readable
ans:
6.13.16
